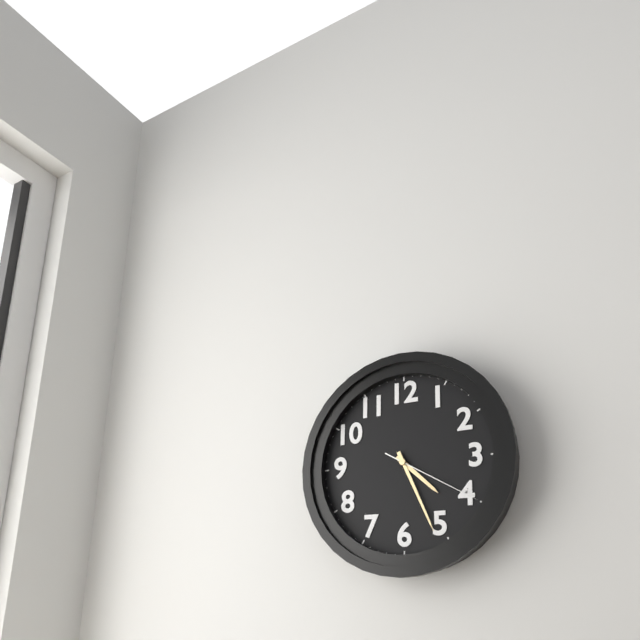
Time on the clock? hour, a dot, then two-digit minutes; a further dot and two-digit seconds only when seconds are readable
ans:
4.26.20
